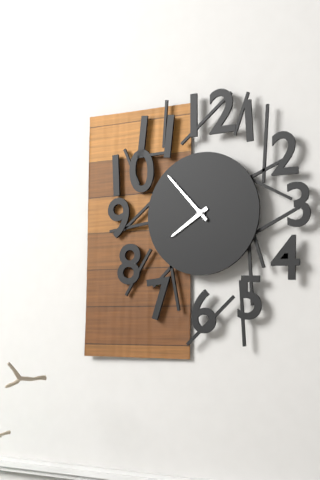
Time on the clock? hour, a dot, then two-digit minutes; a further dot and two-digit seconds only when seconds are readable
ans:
7.53
